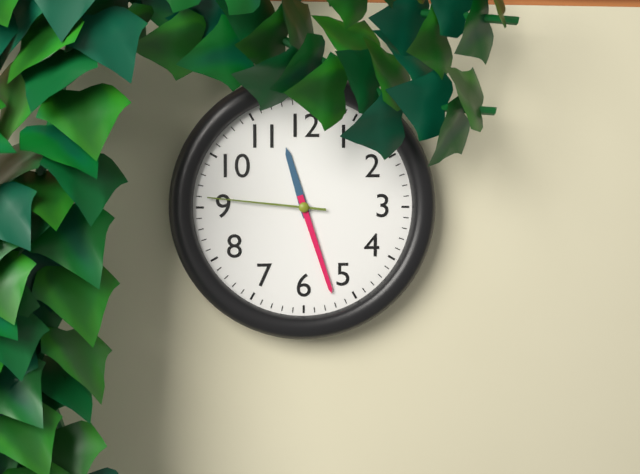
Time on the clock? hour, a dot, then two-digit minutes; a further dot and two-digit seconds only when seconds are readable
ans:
11.27.46
